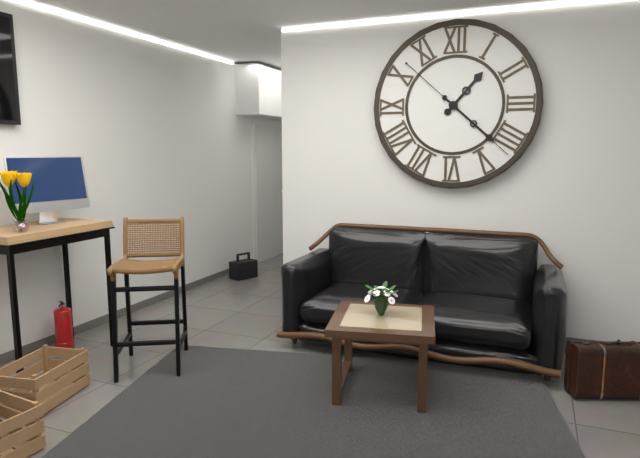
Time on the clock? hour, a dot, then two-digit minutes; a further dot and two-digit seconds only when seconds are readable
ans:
1.22.22
